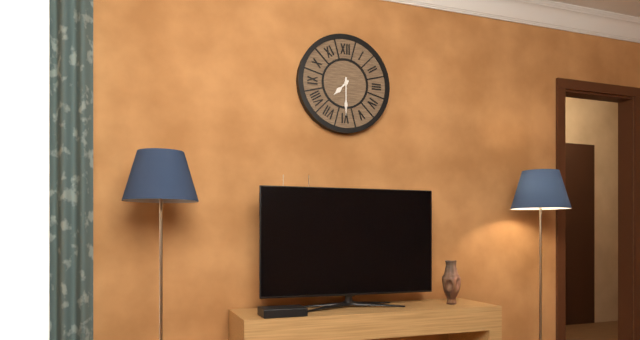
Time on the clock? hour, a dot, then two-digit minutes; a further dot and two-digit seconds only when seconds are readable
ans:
7.30
